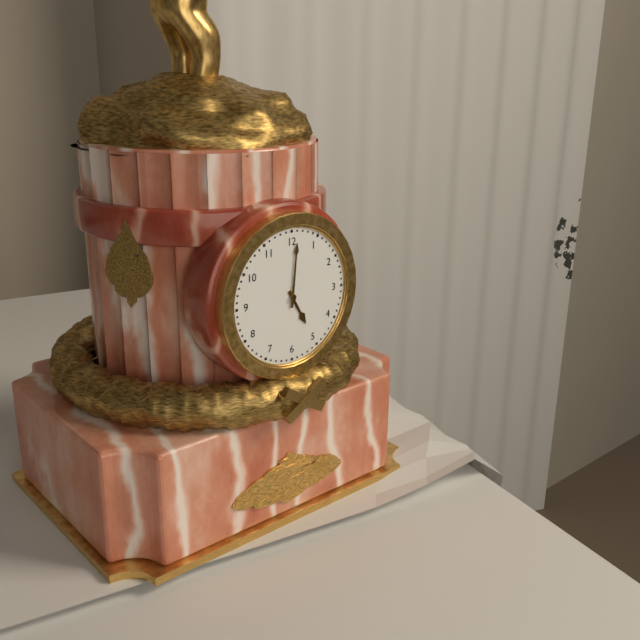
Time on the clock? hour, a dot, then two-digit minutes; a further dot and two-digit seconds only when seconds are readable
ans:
5.01
